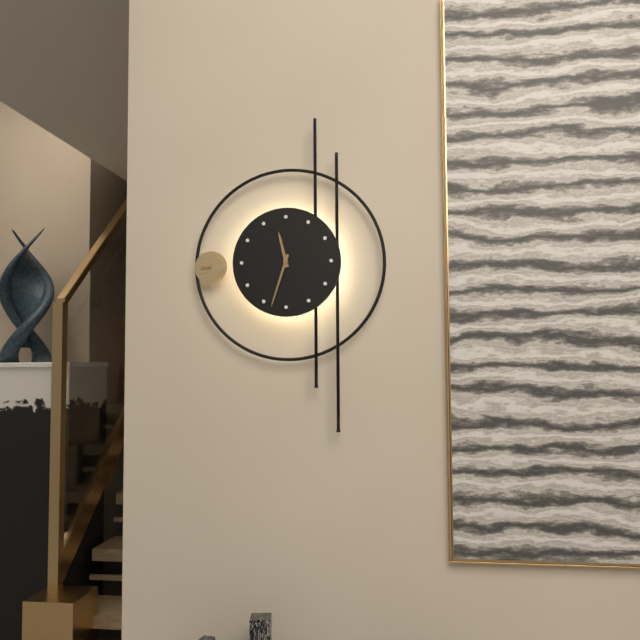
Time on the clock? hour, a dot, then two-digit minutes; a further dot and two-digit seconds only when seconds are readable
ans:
11.33
